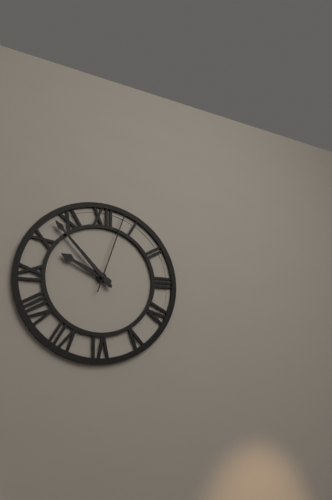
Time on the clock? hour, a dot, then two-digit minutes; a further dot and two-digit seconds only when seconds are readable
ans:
9.53.03
